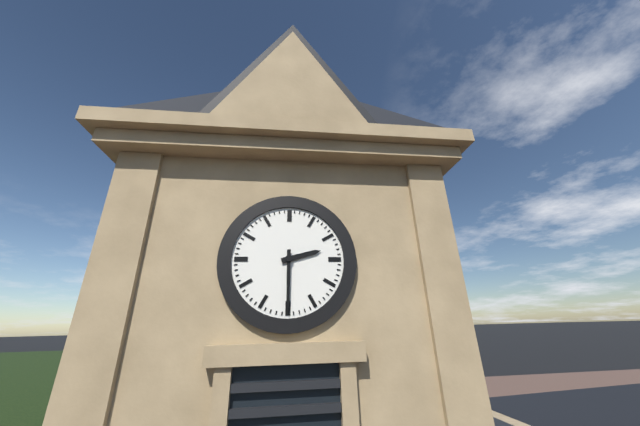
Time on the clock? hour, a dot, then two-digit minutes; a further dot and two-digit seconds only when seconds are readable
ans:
2.30
